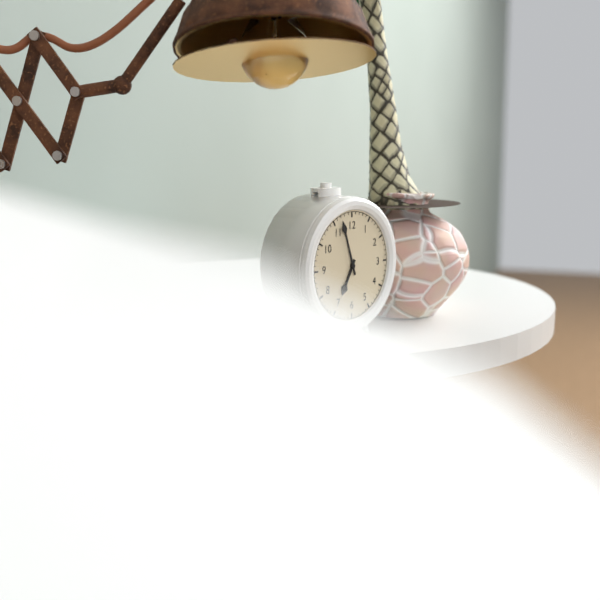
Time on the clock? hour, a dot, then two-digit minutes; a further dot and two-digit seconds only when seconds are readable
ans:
6.57
